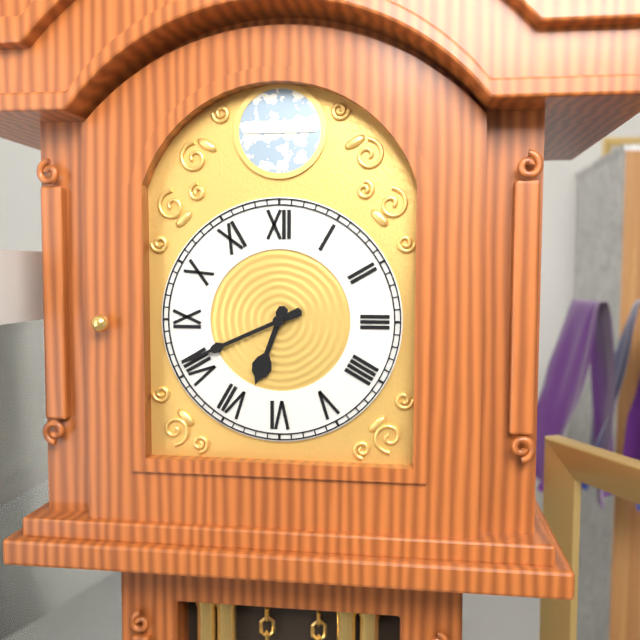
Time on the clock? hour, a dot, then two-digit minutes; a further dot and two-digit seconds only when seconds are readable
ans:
6.41
